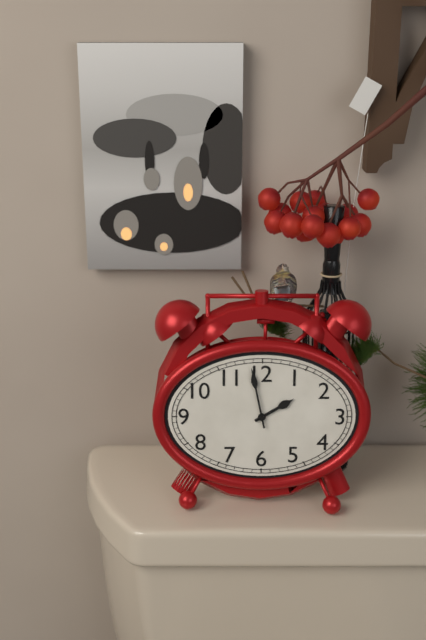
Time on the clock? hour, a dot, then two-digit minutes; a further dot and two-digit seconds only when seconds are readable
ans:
1.58
